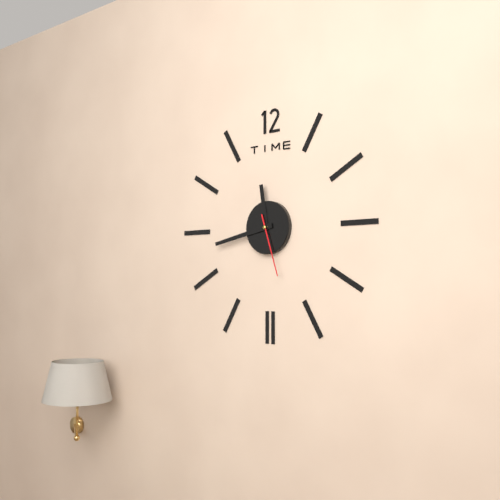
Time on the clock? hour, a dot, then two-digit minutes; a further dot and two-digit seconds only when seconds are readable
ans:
11.43.27
